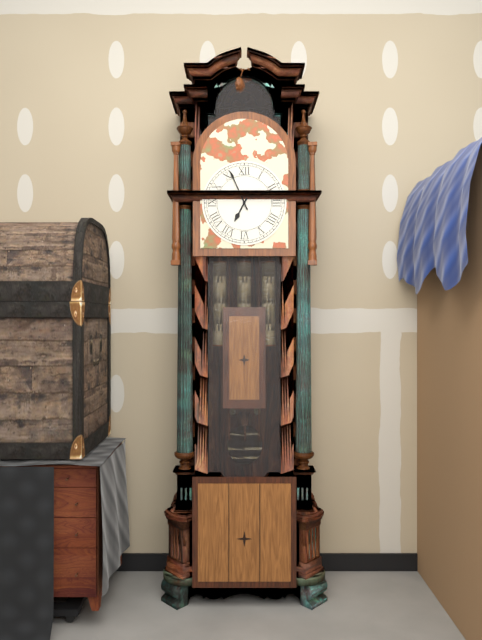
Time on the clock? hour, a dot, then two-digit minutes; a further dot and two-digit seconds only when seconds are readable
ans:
6.56
